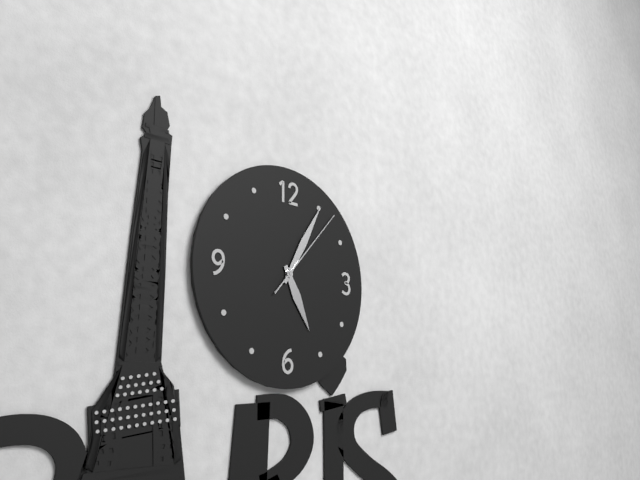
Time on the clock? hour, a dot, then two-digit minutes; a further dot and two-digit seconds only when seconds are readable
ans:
5.05.07
